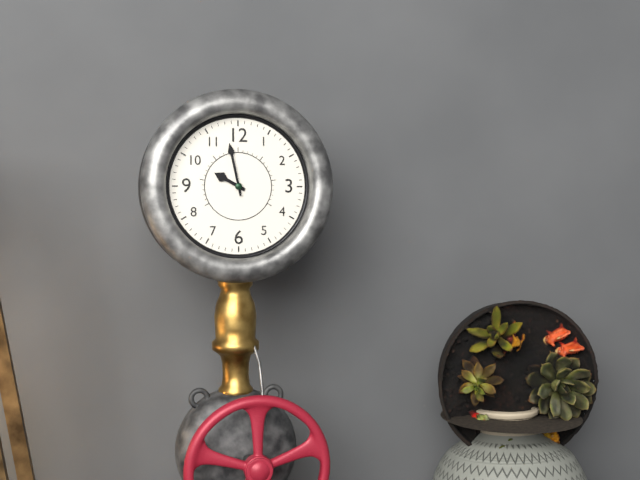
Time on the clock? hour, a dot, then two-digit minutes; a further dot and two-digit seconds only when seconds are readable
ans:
9.58
